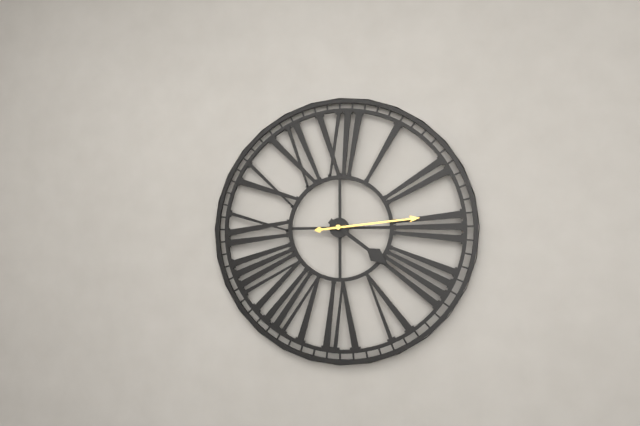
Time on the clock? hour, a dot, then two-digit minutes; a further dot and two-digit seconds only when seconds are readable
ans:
4.14
